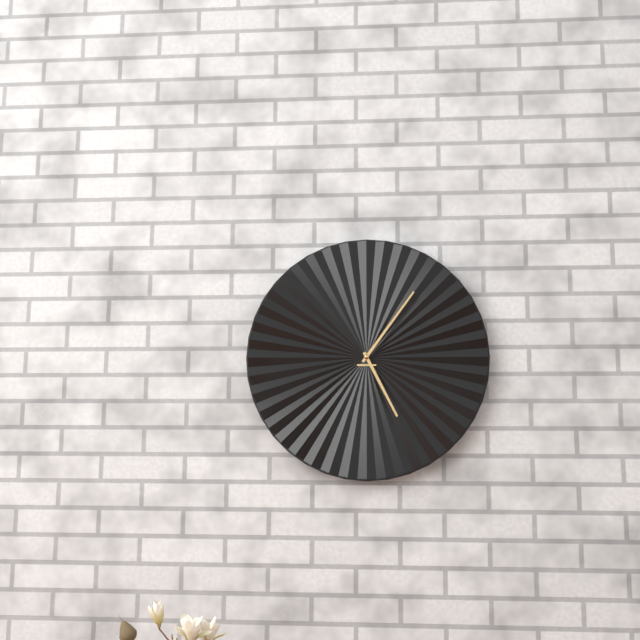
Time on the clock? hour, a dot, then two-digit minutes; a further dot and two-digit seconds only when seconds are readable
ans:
5.06
